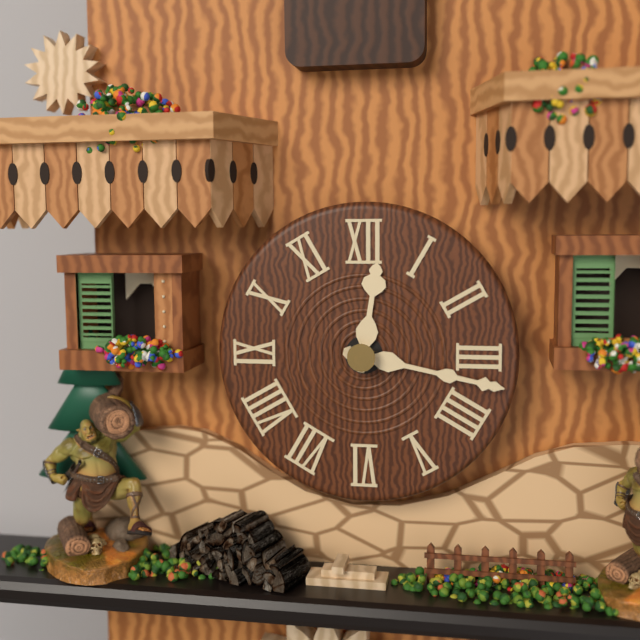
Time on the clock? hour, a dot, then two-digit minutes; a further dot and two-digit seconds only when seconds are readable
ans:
12.17
